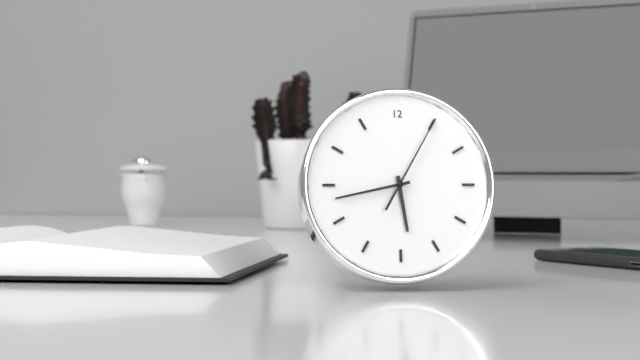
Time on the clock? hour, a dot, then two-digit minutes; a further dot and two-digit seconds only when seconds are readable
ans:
5.43.05
